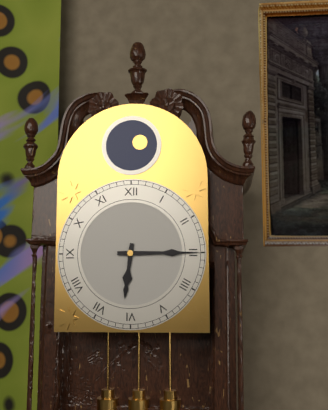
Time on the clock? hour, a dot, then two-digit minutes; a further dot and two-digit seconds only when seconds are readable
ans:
6.15
